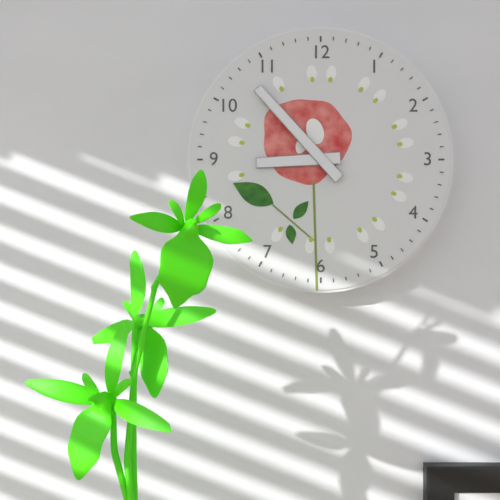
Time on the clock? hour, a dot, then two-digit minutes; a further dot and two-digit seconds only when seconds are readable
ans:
8.53
